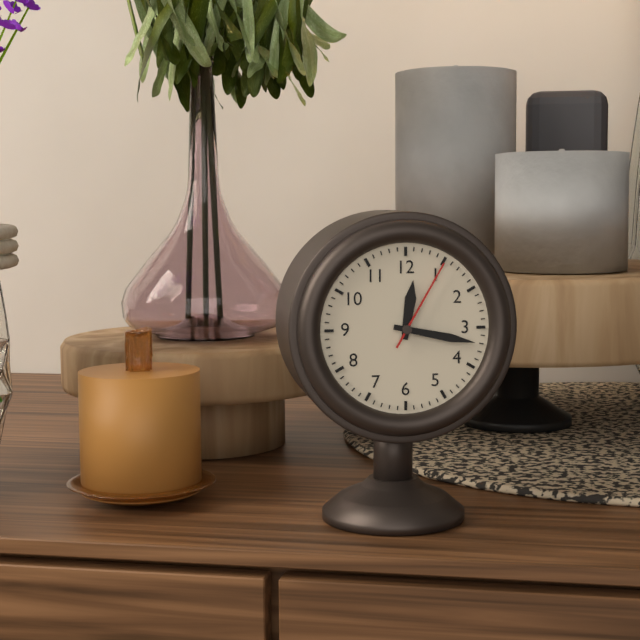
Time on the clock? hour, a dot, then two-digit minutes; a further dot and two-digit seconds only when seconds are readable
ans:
12.17.05
